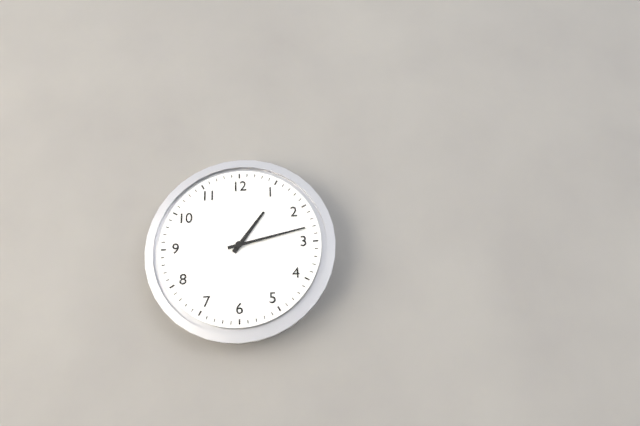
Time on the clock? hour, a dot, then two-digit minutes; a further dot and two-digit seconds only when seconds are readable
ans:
1.13
